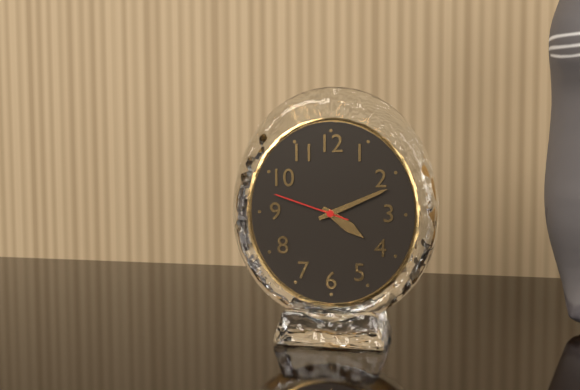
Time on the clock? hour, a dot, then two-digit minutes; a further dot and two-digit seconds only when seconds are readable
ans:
4.11.48
